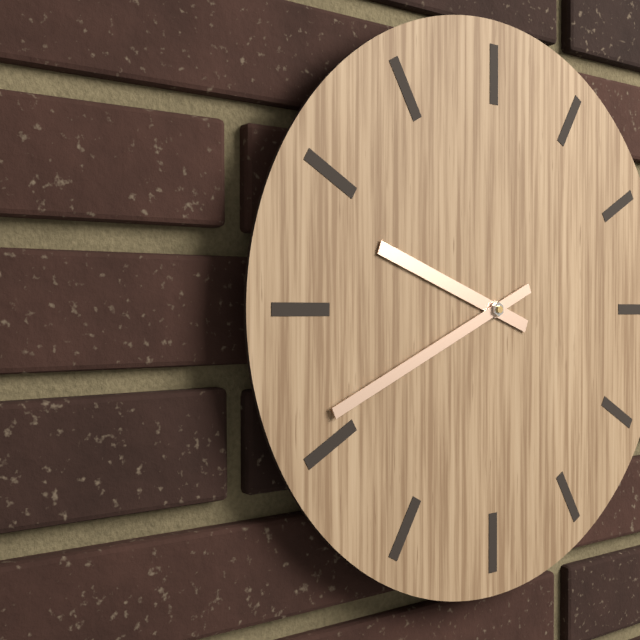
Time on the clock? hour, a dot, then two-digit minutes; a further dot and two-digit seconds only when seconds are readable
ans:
9.41
